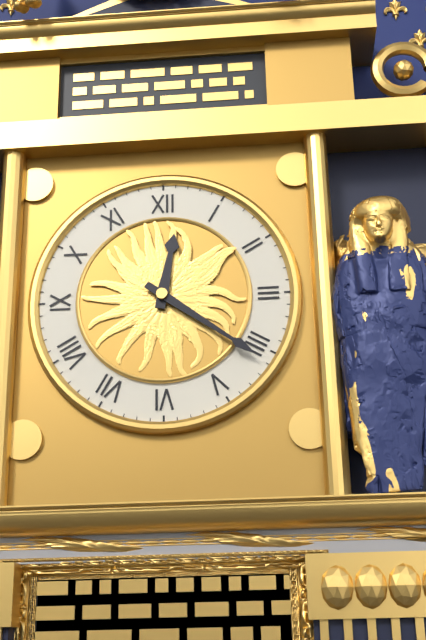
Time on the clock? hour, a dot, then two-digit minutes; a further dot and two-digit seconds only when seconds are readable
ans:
12.21
